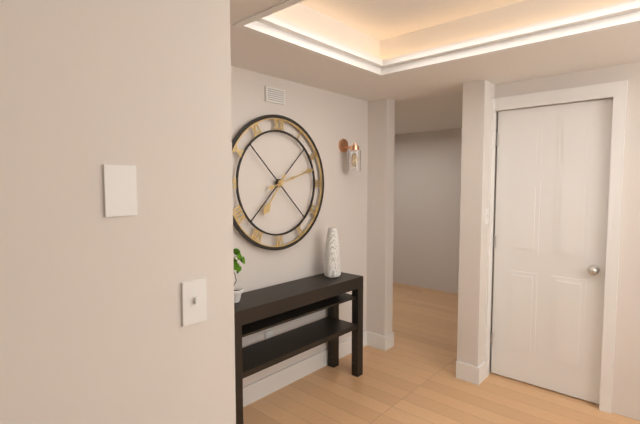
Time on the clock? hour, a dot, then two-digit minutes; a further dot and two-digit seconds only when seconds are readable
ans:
7.12
